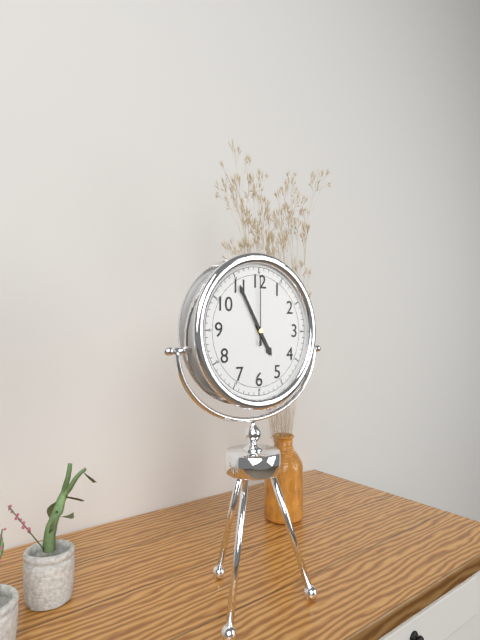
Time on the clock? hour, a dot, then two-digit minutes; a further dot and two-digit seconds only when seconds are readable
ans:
4.55.00
